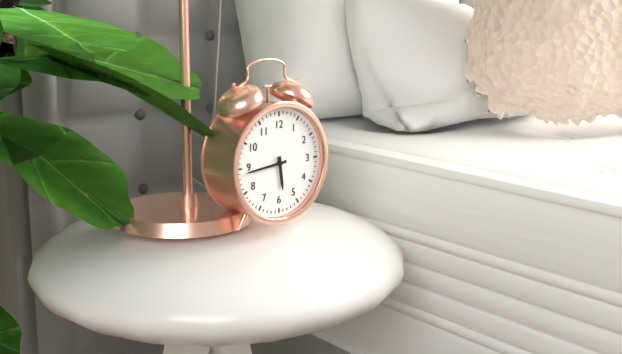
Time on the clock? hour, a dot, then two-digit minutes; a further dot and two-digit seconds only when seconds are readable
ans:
5.44
